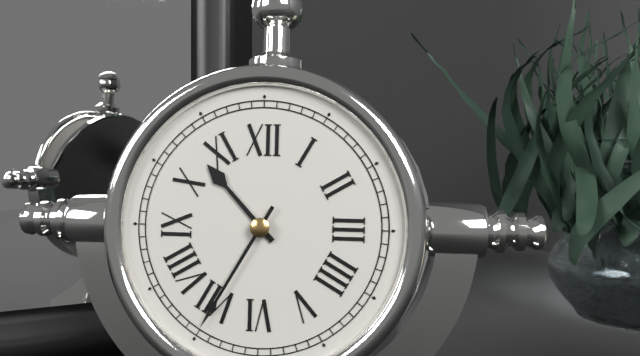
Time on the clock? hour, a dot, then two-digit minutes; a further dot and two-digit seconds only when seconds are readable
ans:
10.35
